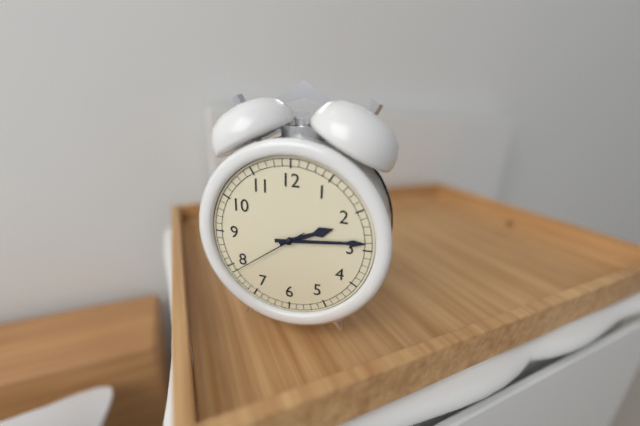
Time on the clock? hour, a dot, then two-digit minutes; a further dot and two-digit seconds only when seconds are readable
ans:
2.14.39
